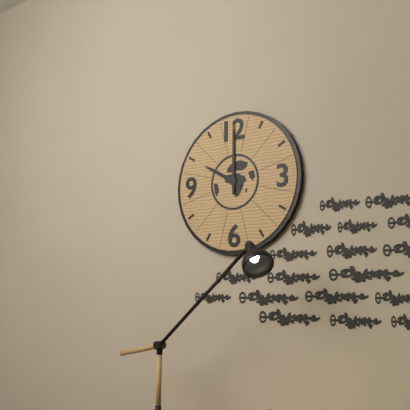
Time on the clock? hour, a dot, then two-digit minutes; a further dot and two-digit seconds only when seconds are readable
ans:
10.00
